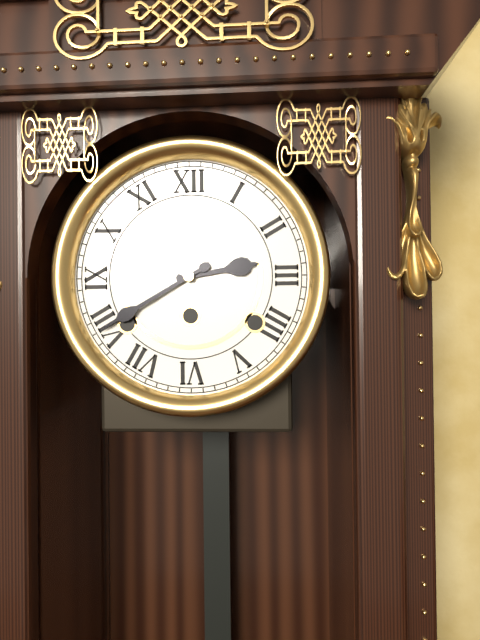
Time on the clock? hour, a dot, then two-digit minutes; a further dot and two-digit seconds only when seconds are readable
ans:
2.40
